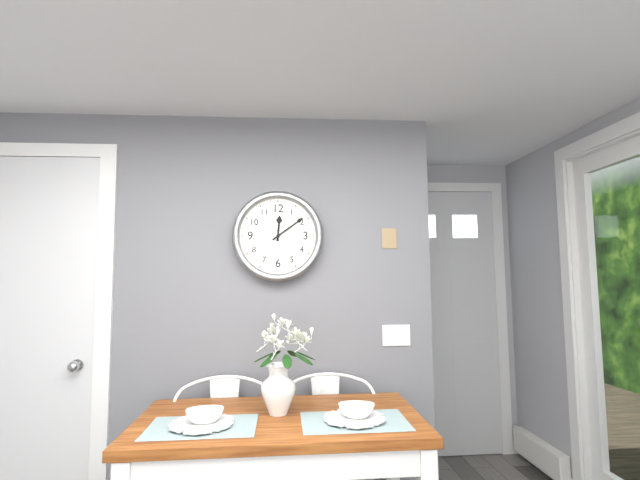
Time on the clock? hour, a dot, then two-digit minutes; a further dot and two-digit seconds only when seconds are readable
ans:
12.09
